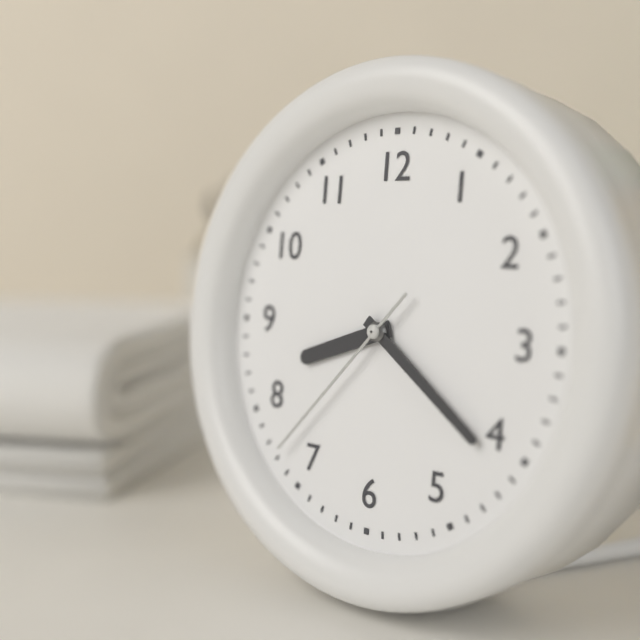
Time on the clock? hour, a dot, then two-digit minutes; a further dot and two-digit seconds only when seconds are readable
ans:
8.21.37
